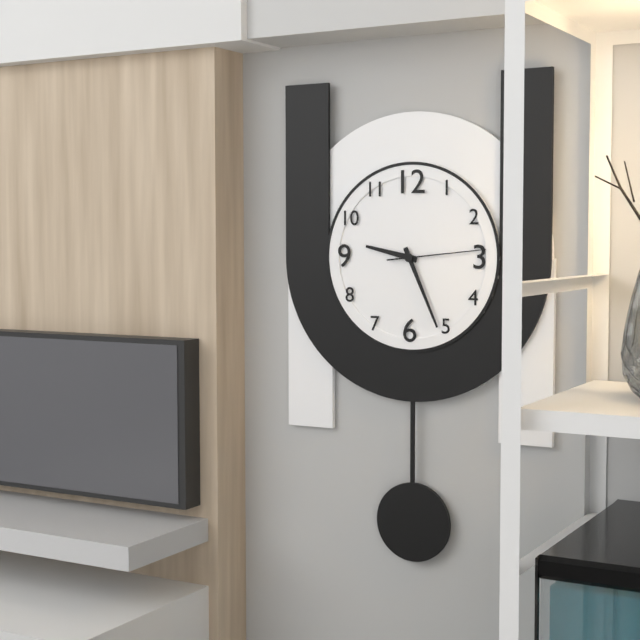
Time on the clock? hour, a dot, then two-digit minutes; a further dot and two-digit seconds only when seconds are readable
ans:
9.26.14
